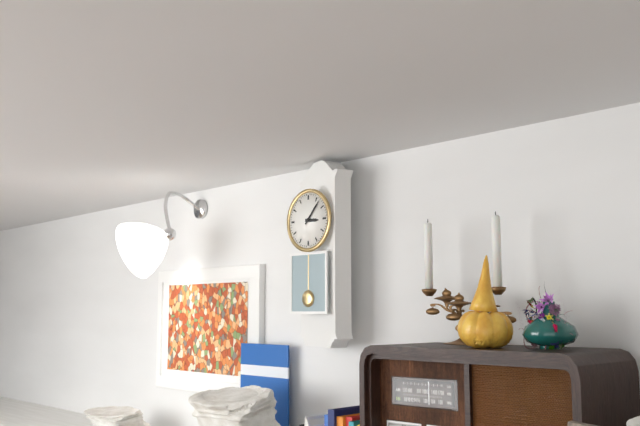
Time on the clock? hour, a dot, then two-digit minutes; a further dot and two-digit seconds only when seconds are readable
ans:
3.07
